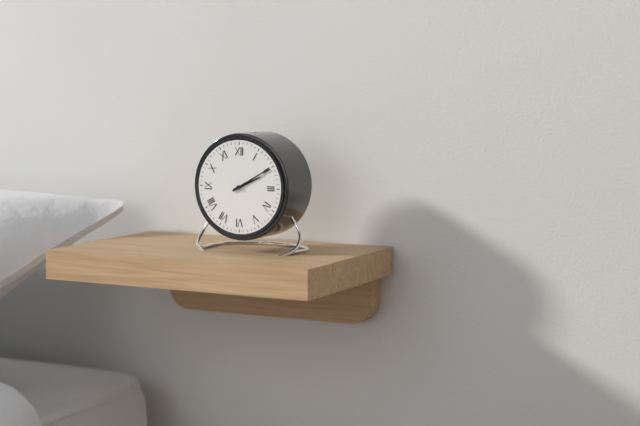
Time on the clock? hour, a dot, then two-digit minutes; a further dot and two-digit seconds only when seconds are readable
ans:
2.10
